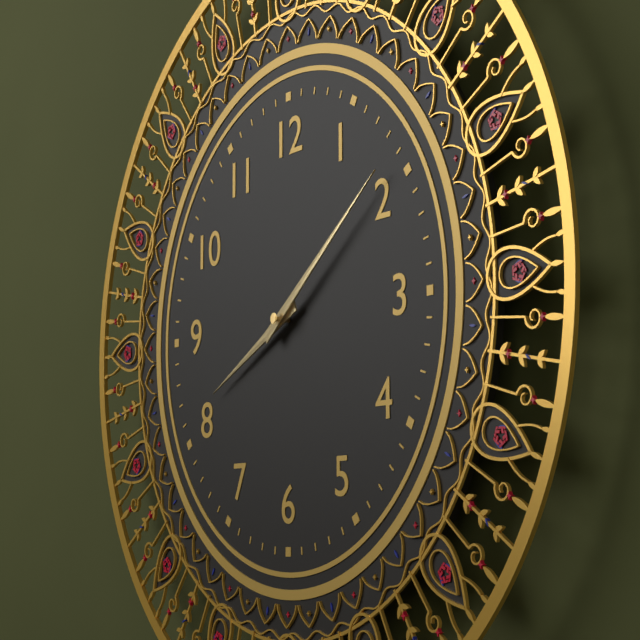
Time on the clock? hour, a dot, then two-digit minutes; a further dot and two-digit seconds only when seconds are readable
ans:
8.09
